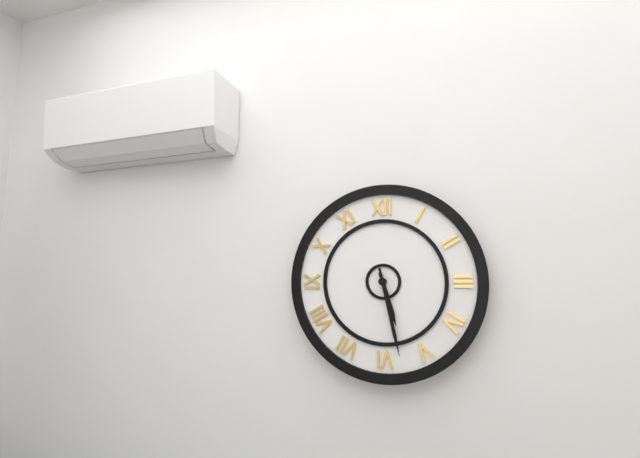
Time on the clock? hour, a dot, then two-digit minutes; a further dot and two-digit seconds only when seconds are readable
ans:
5.28
